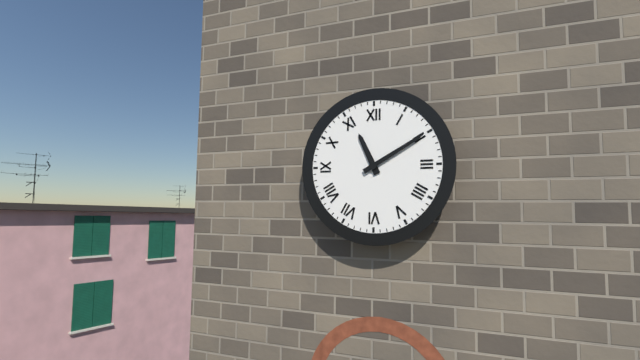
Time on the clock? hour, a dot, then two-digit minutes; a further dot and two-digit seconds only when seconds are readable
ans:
11.10
